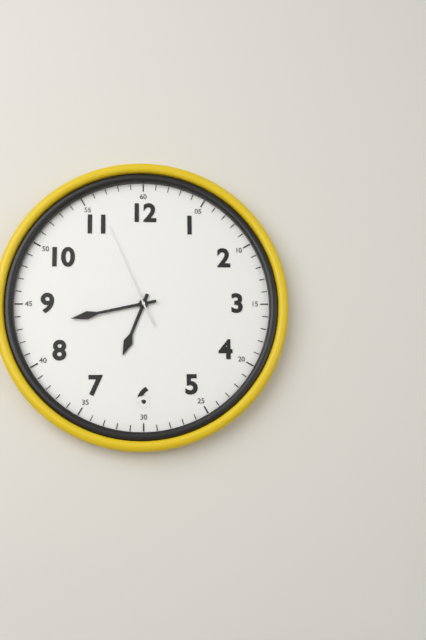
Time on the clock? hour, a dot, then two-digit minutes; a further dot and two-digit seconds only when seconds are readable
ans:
6.43.56
